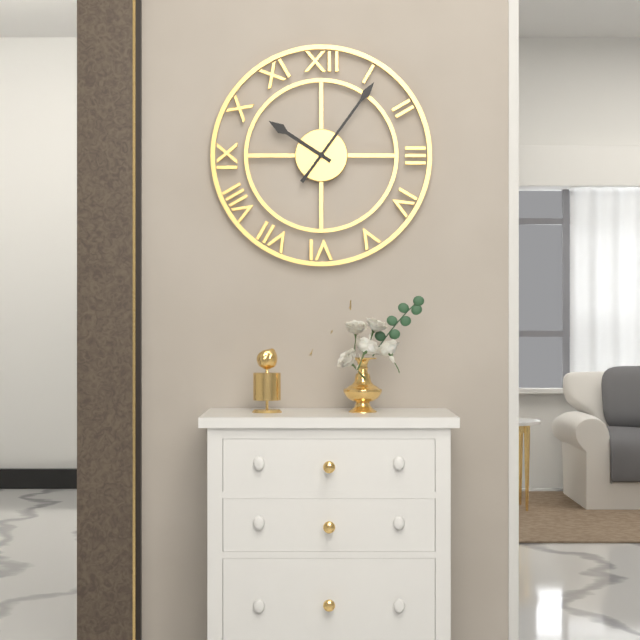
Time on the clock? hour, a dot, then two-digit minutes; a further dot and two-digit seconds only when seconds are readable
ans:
10.06
